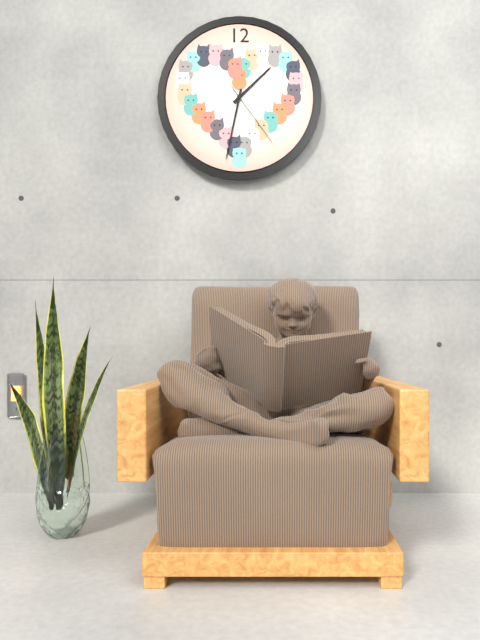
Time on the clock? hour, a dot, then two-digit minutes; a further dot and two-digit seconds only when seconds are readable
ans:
1.32.24
